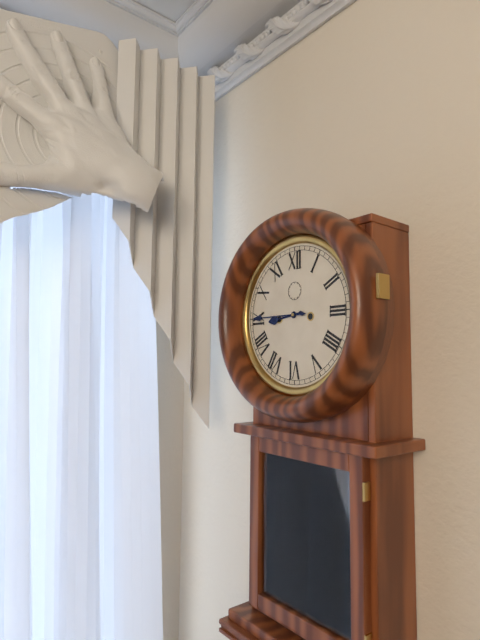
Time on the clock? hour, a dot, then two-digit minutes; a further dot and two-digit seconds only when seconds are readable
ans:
8.45
